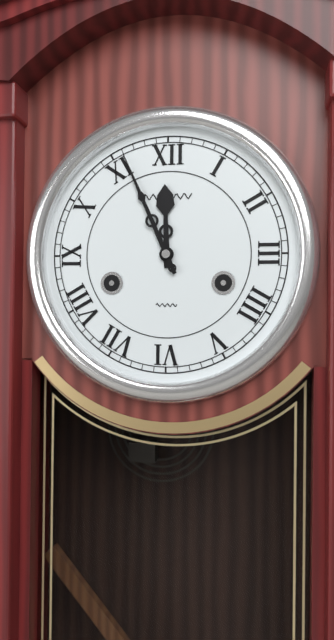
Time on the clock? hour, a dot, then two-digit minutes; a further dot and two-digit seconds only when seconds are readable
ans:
11.56
